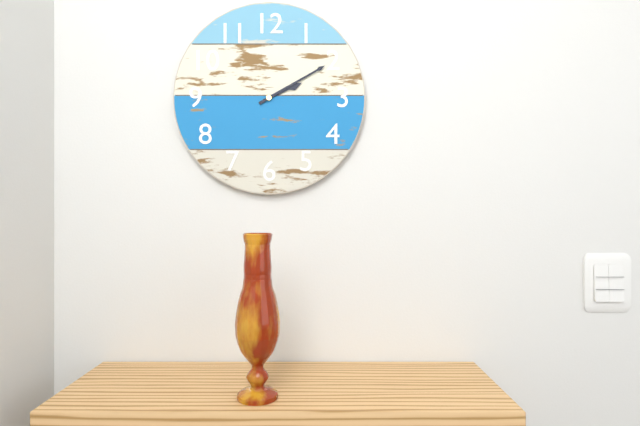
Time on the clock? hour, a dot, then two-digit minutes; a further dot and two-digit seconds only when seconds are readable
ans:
2.10
